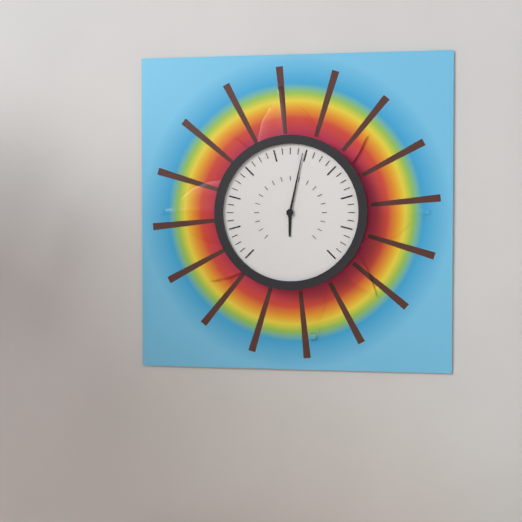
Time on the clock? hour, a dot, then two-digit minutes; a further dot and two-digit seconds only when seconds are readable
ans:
6.02
